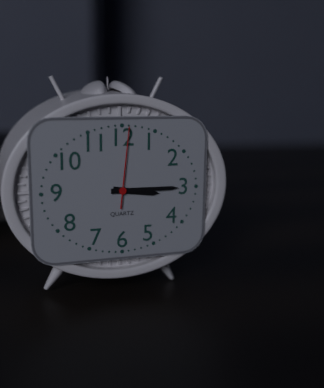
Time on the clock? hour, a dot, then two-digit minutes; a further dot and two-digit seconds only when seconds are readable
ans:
3.15.01
